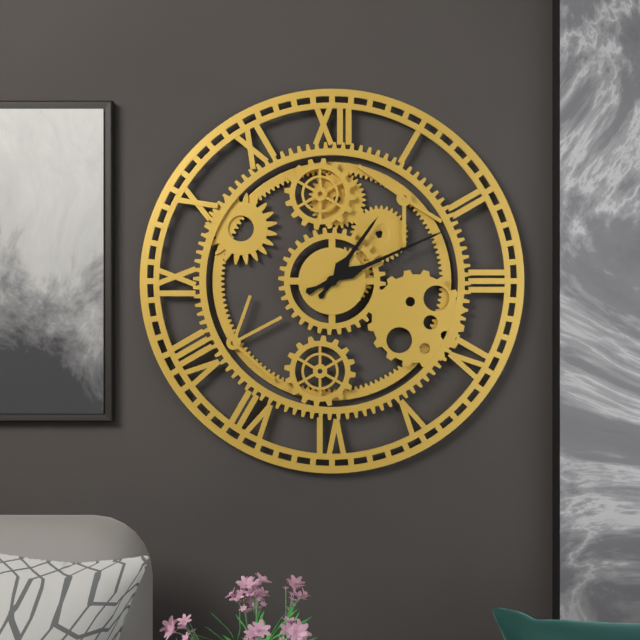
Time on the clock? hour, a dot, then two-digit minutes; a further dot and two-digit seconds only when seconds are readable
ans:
1.11
